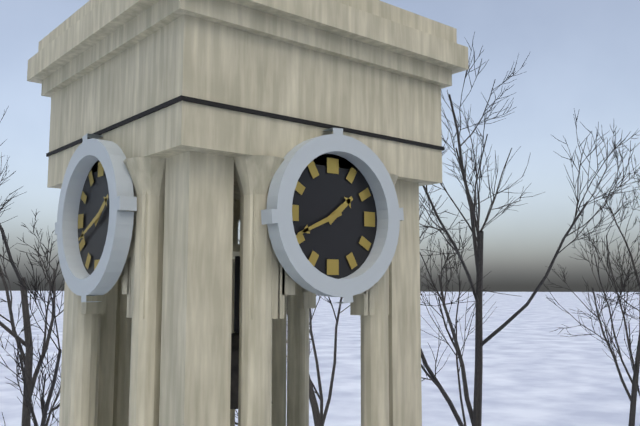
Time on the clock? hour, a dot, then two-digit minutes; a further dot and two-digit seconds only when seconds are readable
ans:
1.41
